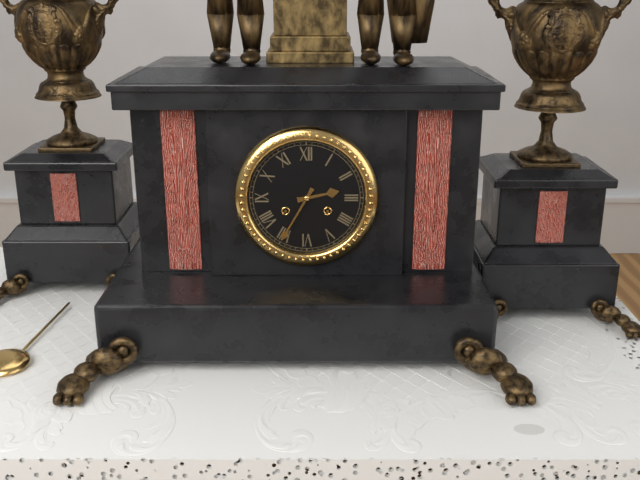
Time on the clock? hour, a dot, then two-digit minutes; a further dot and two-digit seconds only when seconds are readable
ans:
2.35
